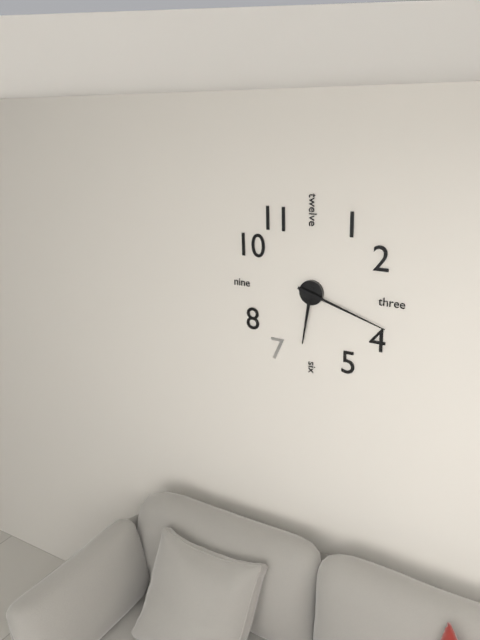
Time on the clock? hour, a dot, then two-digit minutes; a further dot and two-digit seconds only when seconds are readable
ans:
6.18
